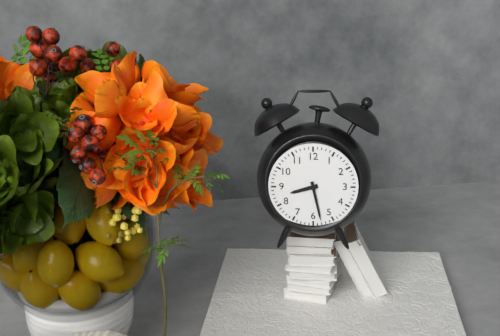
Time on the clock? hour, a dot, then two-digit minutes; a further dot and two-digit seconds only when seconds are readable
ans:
8.28
